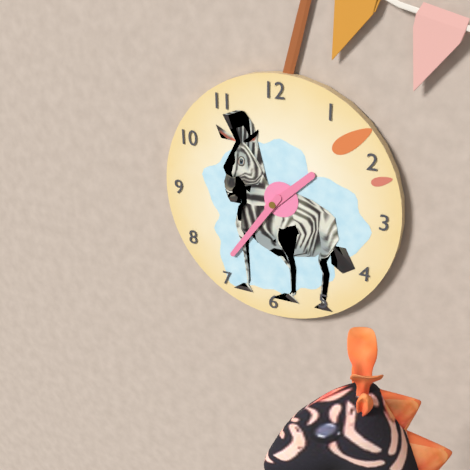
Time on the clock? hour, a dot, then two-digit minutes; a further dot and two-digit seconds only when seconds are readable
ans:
1.36
